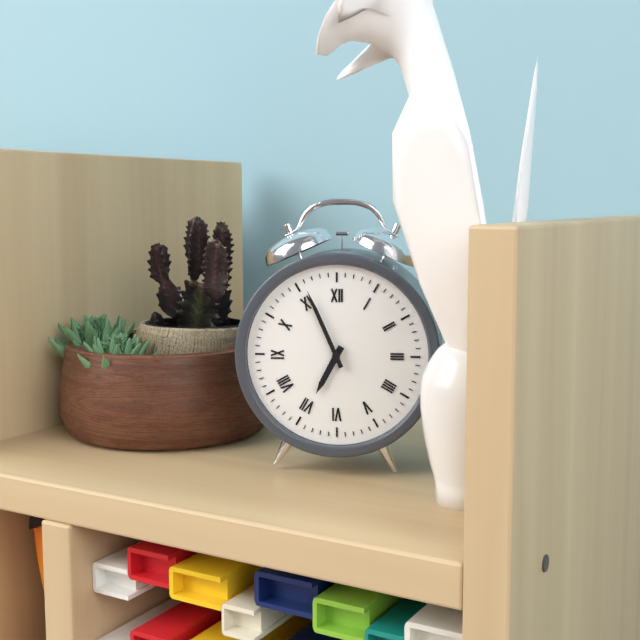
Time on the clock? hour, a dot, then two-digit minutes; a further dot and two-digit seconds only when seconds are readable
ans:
6.56
